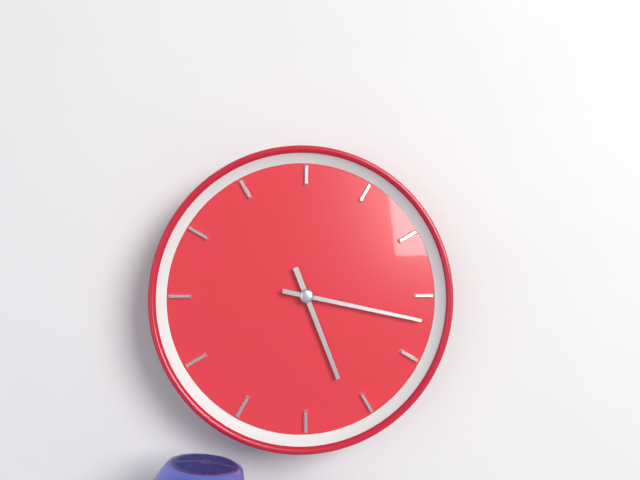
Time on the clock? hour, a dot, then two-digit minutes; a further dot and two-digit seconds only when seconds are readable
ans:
5.17
